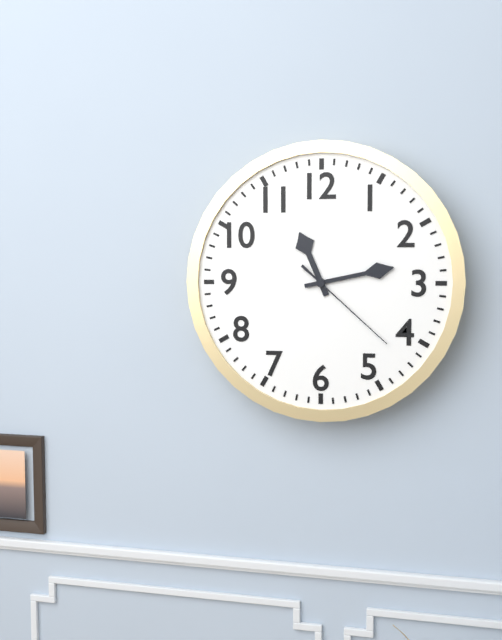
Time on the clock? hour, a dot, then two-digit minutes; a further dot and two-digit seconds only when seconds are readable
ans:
11.13.22
